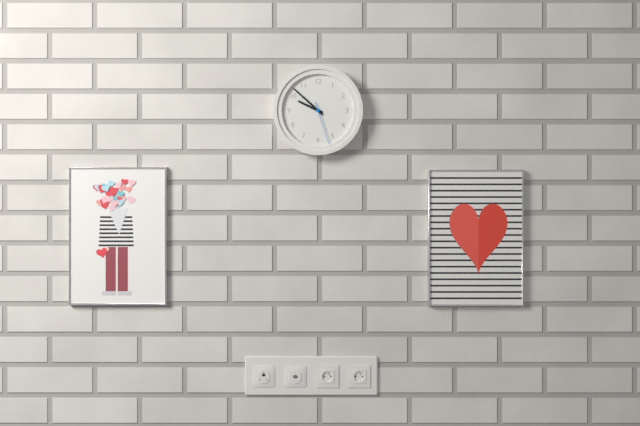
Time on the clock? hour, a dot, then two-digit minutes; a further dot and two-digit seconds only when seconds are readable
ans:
9.52
